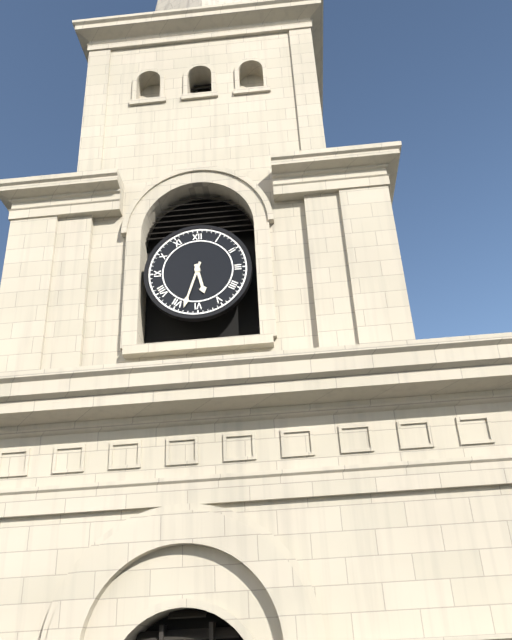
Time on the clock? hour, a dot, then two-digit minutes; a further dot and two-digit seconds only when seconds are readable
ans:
5.33
